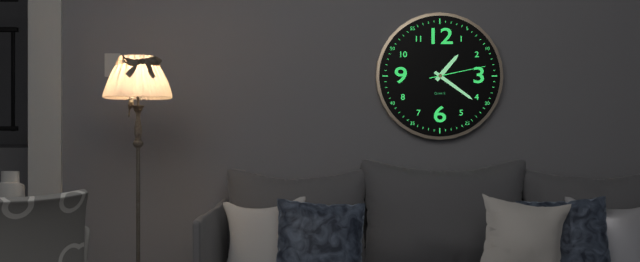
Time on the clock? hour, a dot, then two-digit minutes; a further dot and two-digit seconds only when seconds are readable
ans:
1.21.13
